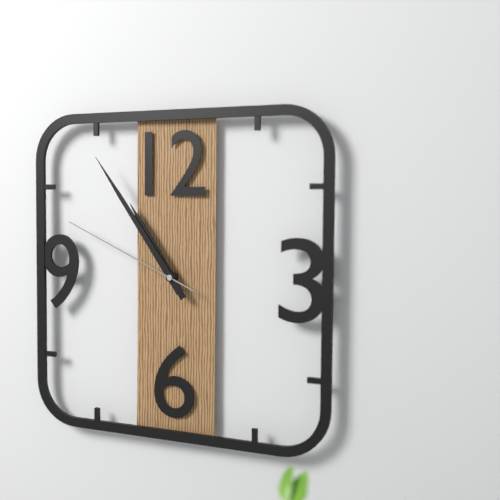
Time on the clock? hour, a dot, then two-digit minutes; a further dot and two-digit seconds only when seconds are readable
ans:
10.54.49
